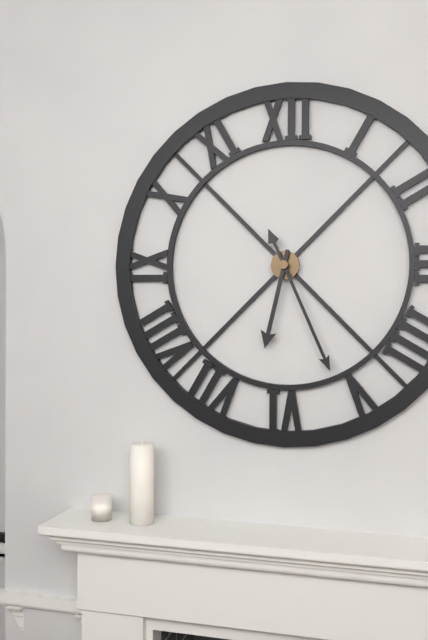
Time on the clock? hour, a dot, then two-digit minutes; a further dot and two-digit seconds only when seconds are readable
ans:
6.26
